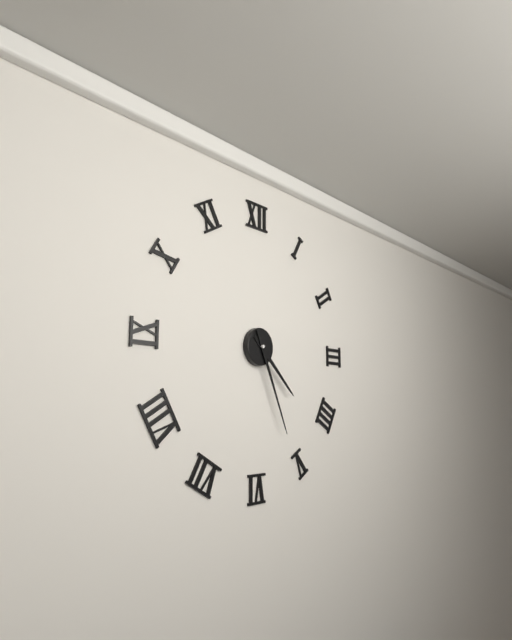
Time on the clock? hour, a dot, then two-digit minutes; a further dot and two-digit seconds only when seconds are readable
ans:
4.26
